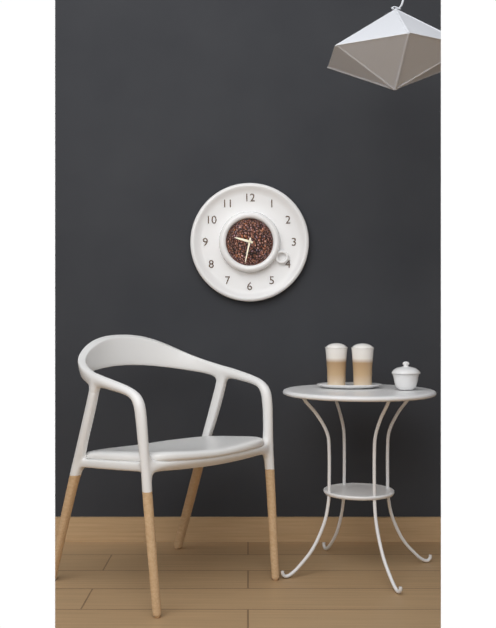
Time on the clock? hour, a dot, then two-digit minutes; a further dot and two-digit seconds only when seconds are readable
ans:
9.32
